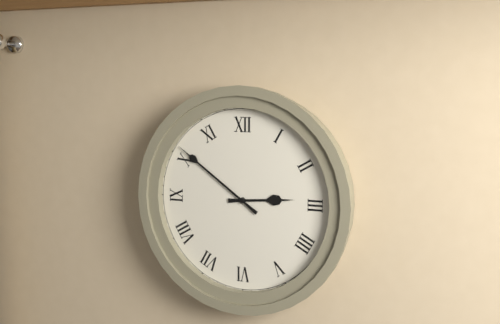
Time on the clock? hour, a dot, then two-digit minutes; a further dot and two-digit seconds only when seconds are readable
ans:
2.51
